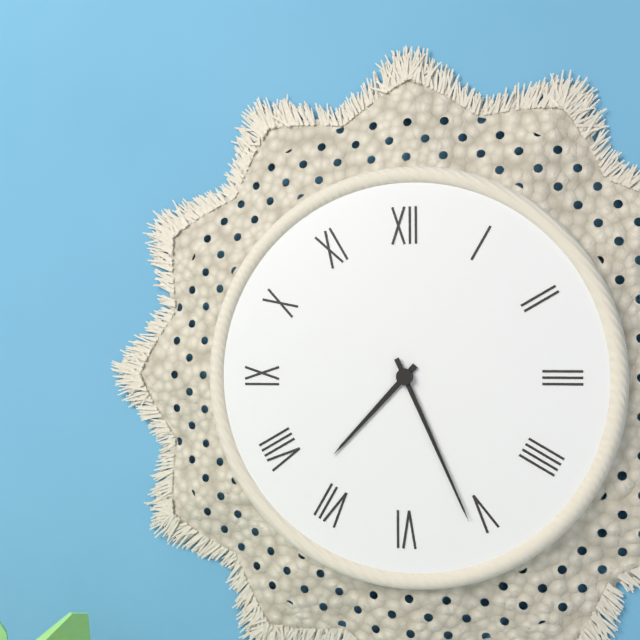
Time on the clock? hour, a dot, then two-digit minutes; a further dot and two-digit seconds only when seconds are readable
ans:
7.26
